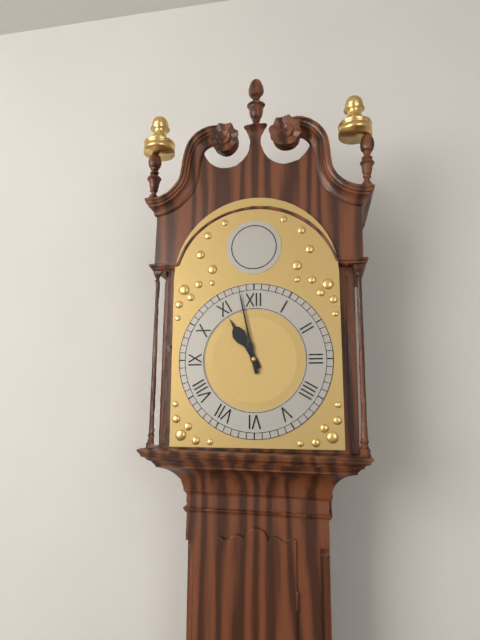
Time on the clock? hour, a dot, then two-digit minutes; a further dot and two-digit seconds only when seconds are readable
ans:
10.58
